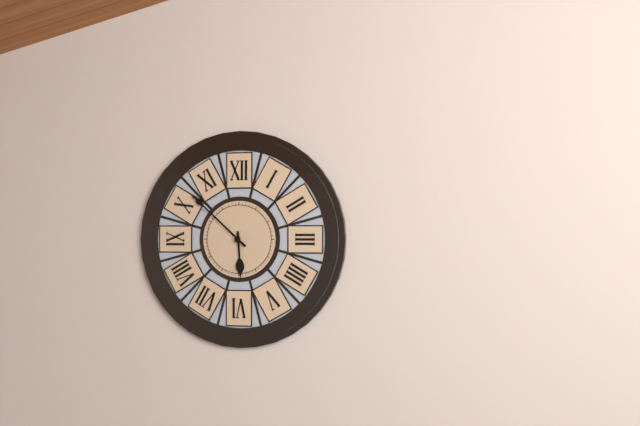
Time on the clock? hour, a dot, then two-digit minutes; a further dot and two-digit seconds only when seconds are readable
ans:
5.52
